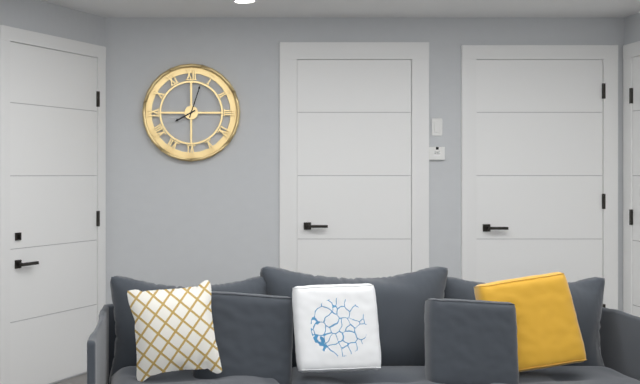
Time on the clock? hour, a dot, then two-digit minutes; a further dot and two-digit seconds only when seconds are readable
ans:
8.03
